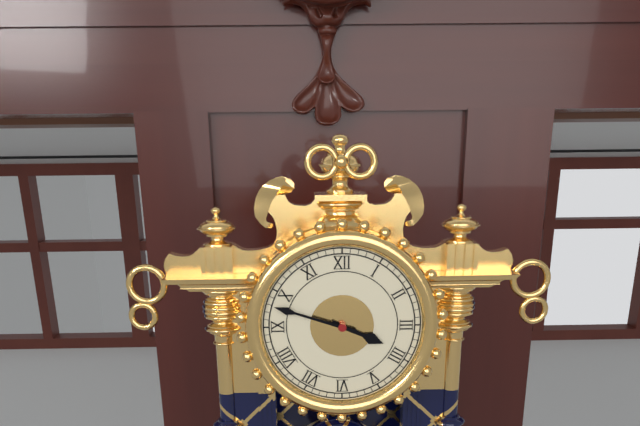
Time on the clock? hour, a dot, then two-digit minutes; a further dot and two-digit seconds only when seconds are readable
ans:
3.48
